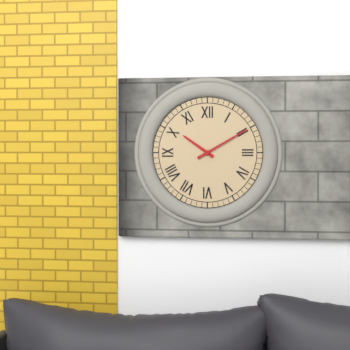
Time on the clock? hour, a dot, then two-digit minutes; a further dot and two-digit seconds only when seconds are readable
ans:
10.10
